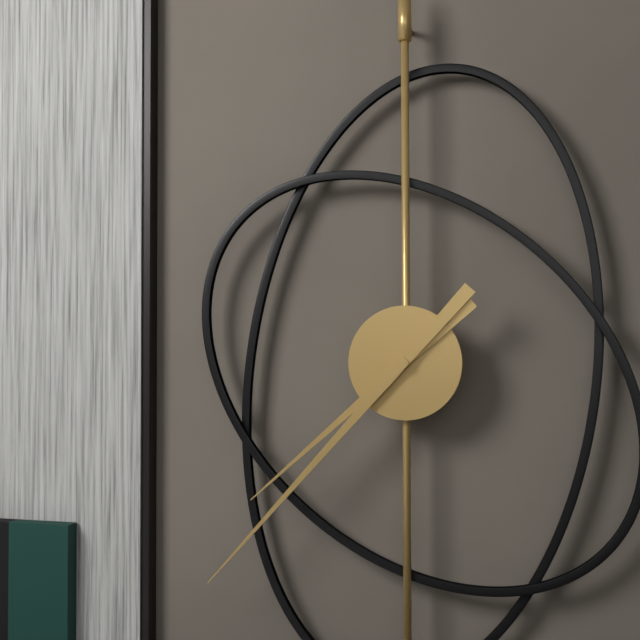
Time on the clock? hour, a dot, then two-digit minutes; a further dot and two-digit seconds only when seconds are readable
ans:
7.37
